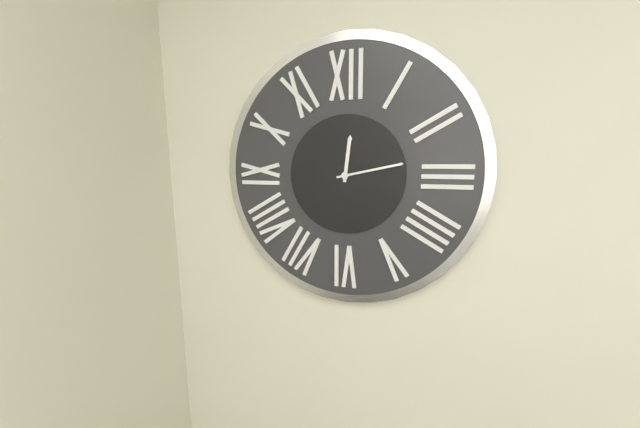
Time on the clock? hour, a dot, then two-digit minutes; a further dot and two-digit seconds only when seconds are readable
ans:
12.13
